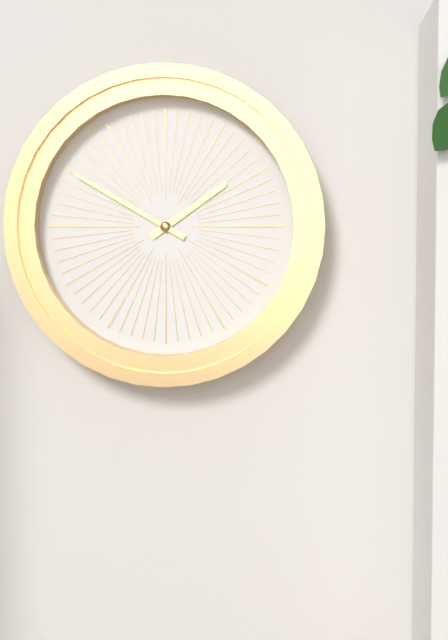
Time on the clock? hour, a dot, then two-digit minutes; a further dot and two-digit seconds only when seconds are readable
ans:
1.50
